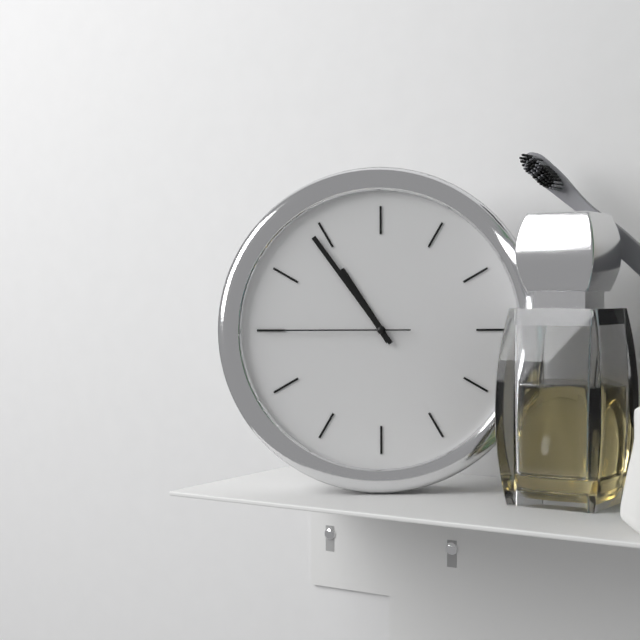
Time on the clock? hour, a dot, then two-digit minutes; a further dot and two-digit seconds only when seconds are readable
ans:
10.54.45
